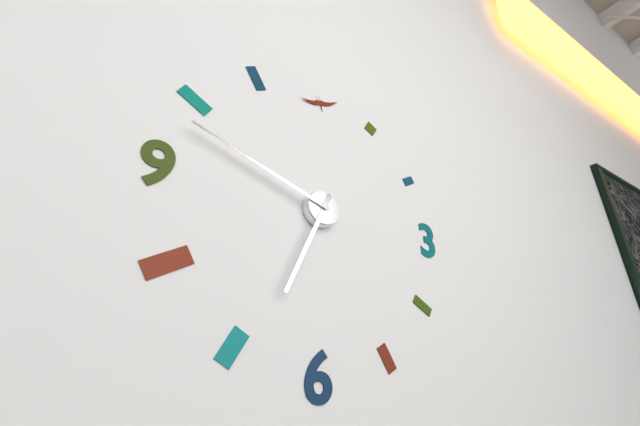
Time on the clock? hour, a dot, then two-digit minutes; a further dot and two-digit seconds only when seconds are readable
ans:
6.48
